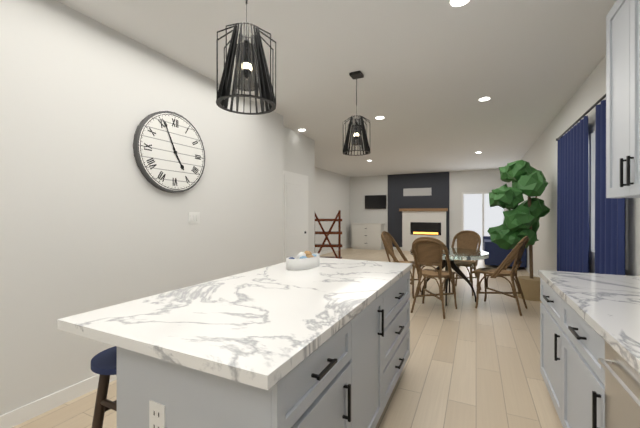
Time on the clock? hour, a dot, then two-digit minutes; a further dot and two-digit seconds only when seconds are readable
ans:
4.56
